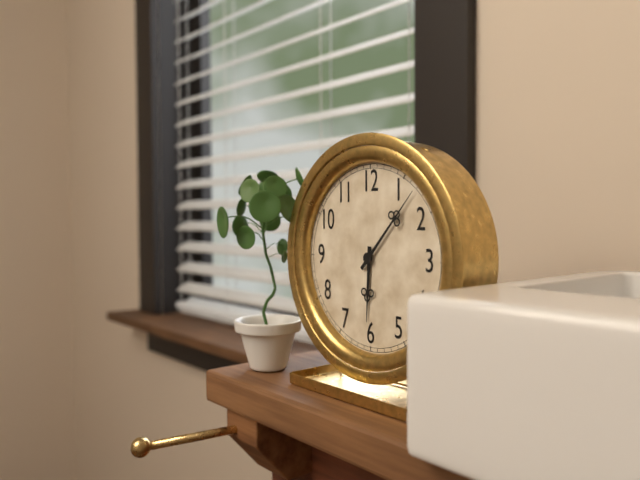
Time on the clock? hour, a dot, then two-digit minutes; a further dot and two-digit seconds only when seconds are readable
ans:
6.07
